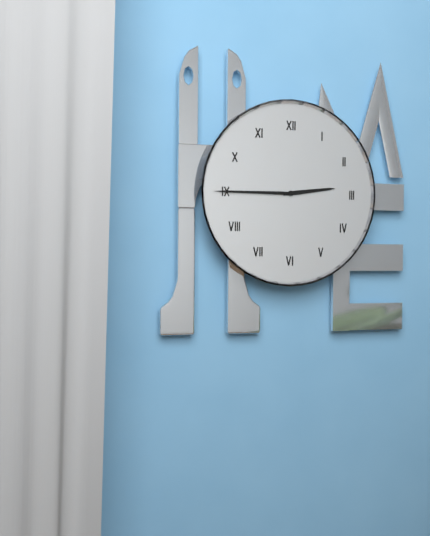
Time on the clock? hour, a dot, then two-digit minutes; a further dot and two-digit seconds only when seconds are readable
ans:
2.45
